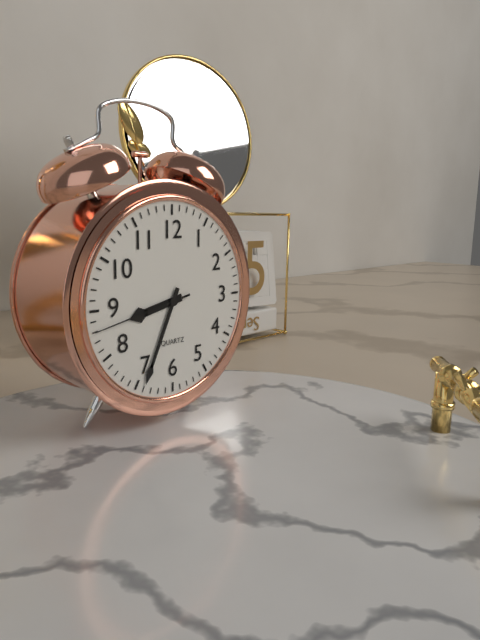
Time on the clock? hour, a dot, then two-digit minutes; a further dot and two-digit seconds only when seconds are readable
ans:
8.34.43
